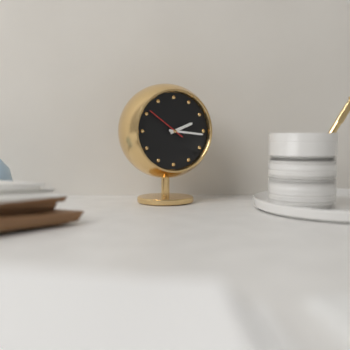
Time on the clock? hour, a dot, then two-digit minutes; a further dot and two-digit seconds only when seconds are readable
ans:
2.16
